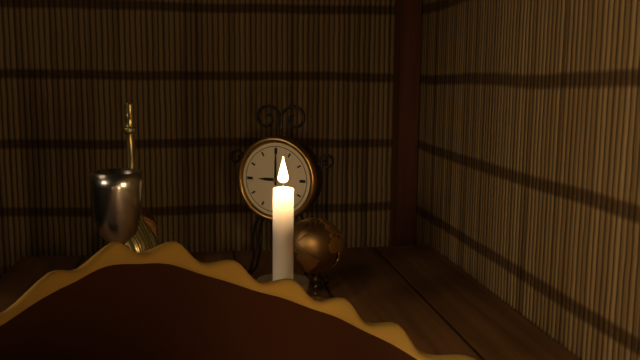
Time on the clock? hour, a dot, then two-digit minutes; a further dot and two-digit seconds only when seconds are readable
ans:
9.00
